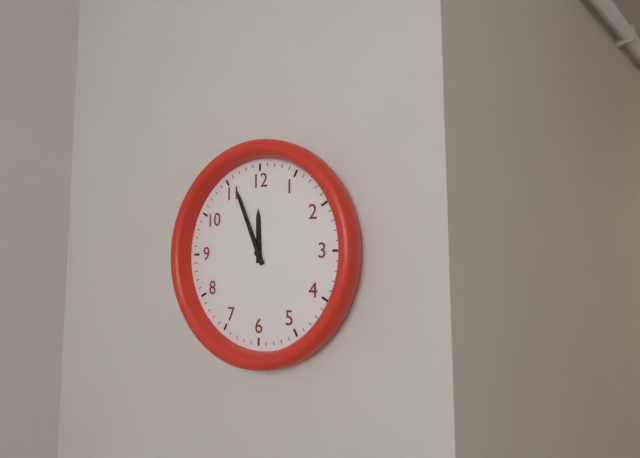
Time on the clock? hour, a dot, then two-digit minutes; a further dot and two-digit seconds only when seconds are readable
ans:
11.56
